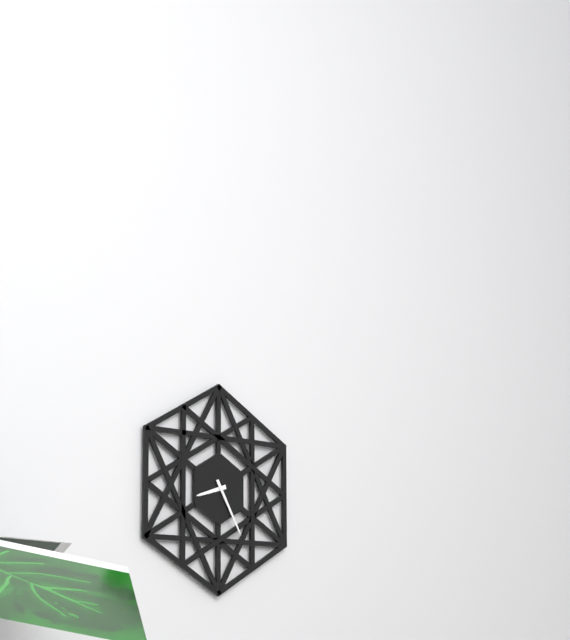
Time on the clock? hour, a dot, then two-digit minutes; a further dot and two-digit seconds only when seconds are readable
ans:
8.25
